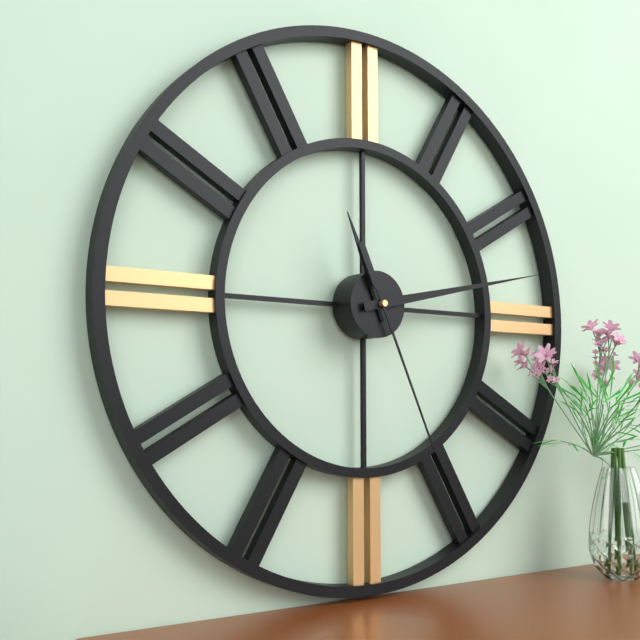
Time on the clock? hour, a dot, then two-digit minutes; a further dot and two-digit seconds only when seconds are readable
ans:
11.13.26
